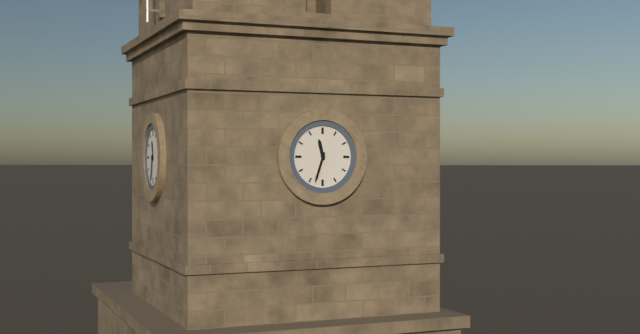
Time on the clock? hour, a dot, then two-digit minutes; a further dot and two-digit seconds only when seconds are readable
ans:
11.33
